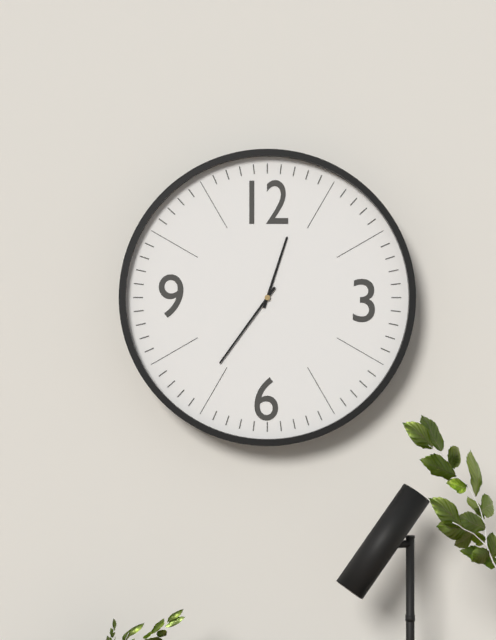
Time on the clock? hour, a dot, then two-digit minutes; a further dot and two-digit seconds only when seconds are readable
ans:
12.36
